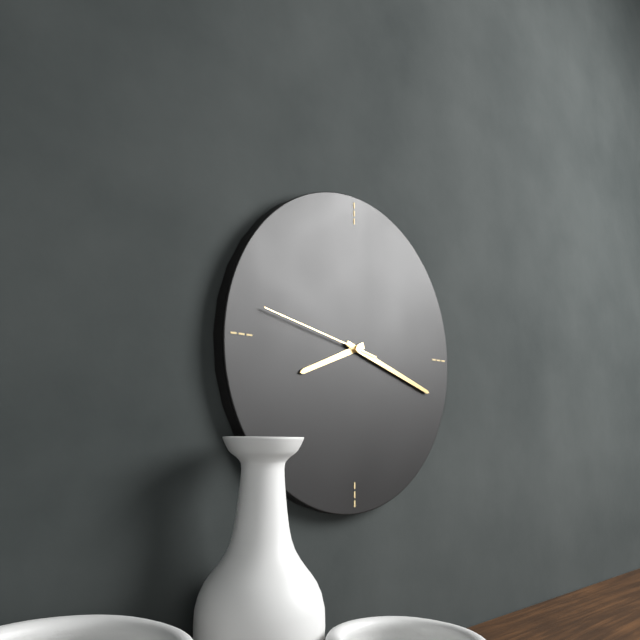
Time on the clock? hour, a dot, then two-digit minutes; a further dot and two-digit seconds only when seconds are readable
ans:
8.18.47
